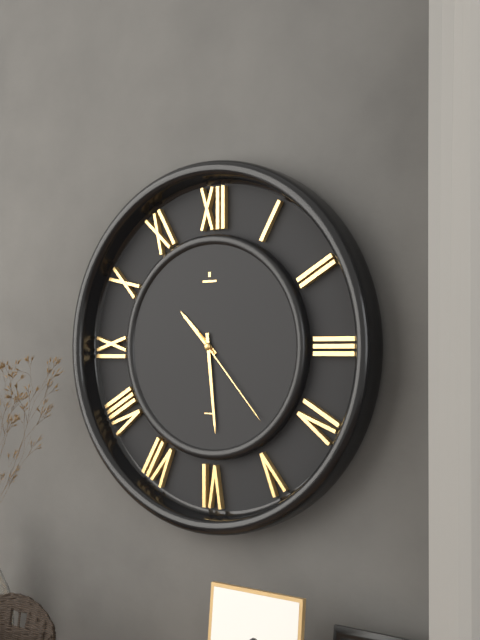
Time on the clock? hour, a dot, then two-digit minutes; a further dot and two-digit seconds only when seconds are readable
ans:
10.29.23
